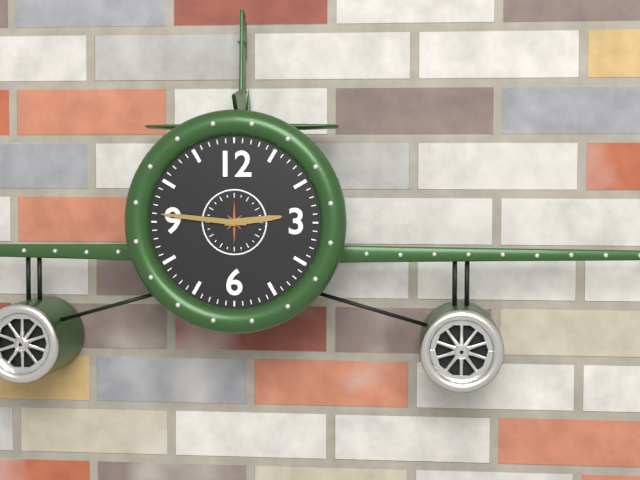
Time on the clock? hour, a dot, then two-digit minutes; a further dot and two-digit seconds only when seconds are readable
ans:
2.46
